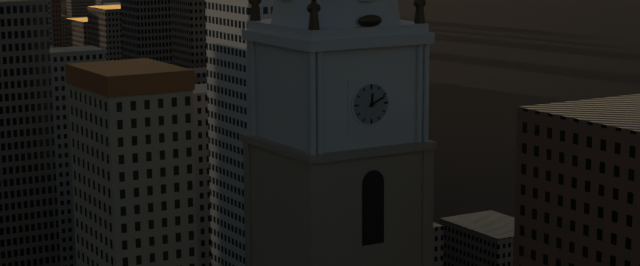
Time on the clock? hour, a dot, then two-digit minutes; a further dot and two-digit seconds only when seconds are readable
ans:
12.11
